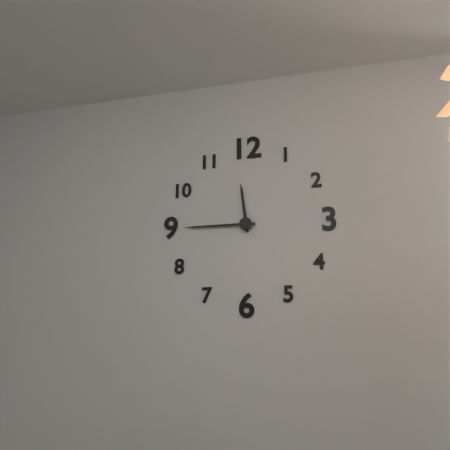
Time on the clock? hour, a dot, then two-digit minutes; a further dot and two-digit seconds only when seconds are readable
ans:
11.45
